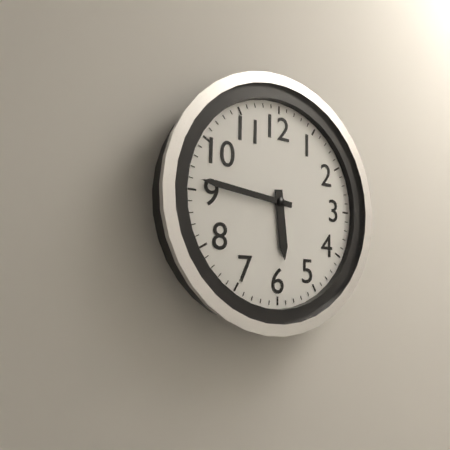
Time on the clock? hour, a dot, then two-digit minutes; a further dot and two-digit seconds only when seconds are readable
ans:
5.46
